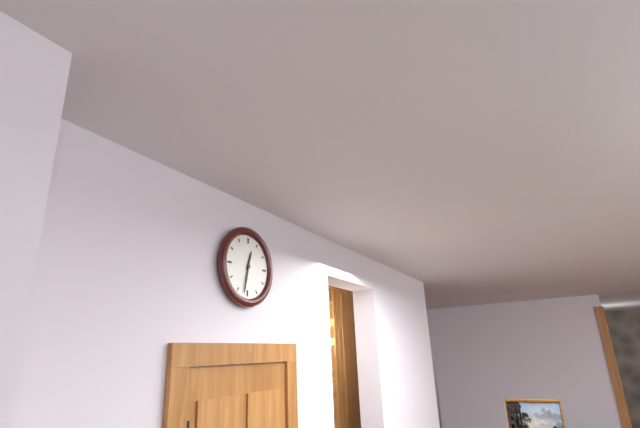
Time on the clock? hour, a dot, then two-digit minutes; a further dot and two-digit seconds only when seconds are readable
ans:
12.32
